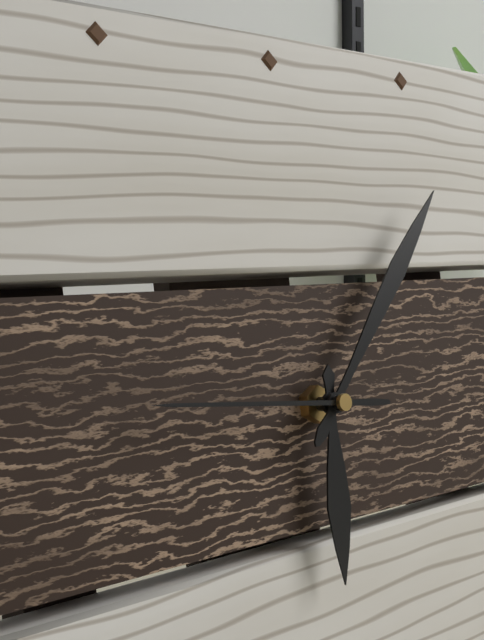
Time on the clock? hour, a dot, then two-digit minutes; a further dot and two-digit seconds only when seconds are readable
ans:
6.07.46
